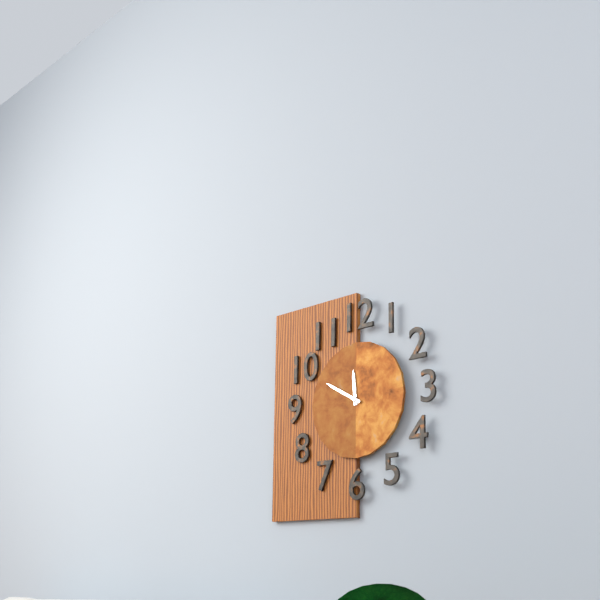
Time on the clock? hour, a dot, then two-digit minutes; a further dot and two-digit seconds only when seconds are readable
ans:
11.50
